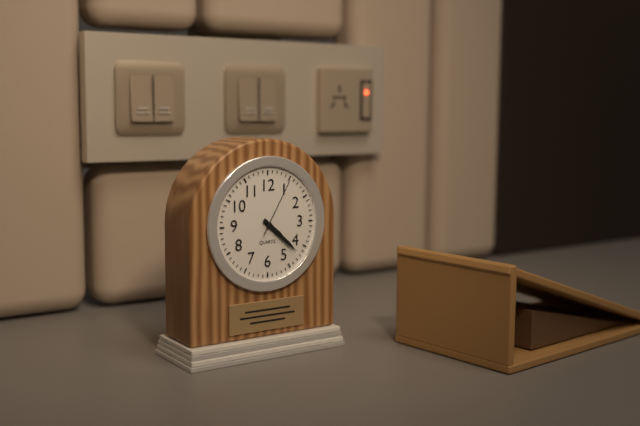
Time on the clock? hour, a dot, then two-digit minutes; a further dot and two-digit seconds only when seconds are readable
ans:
4.22.05
